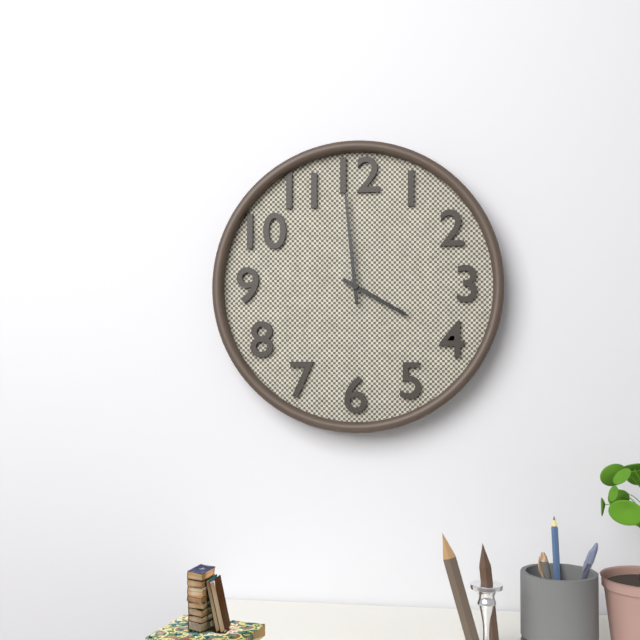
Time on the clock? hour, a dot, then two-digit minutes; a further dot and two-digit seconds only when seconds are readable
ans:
3.59
